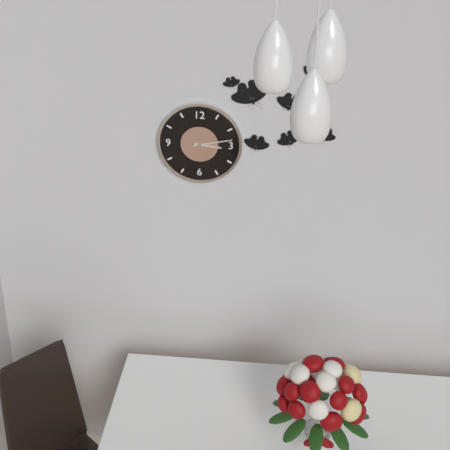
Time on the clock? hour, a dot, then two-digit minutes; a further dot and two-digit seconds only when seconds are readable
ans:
3.13
